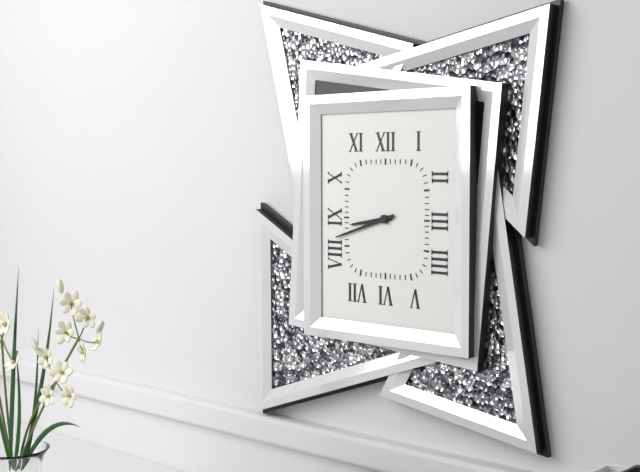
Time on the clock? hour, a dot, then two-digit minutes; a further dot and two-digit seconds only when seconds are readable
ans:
8.42
